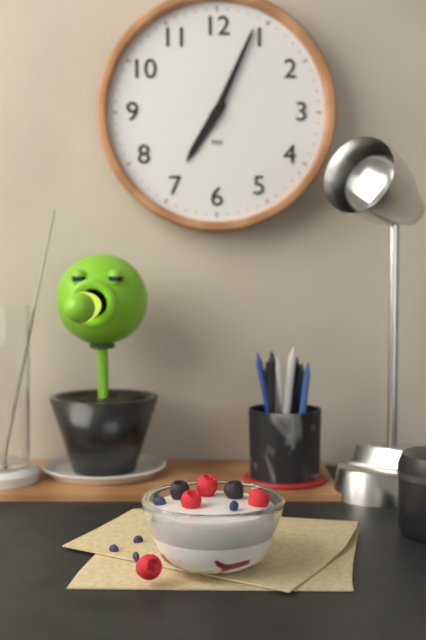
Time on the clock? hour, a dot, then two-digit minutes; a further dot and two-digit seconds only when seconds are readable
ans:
7.04
